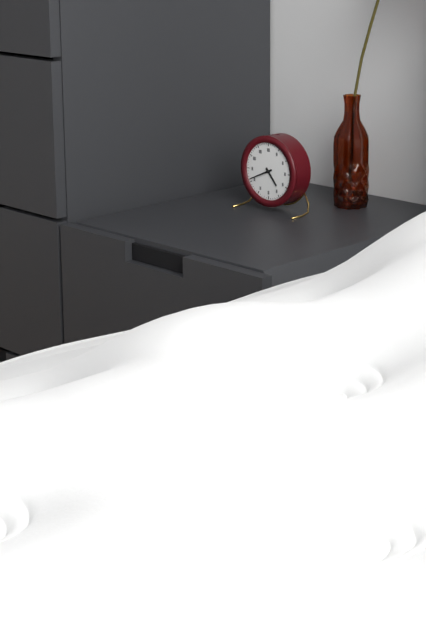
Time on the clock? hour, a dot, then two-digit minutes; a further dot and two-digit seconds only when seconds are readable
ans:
4.41
